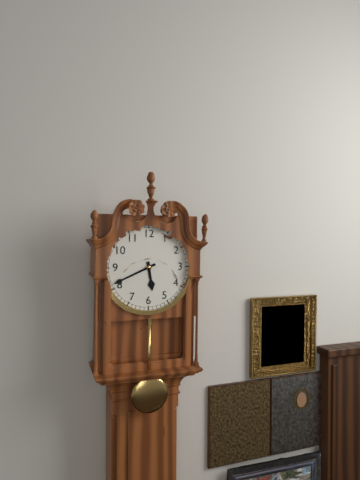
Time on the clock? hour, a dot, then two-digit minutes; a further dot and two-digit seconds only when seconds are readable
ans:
5.41
